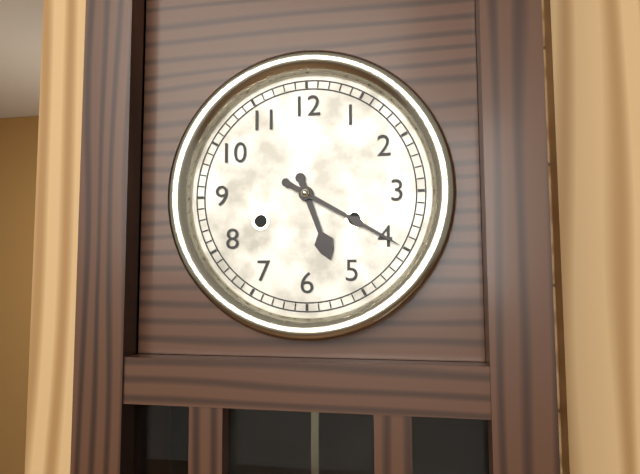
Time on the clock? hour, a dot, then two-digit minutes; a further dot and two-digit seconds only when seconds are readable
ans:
5.20
